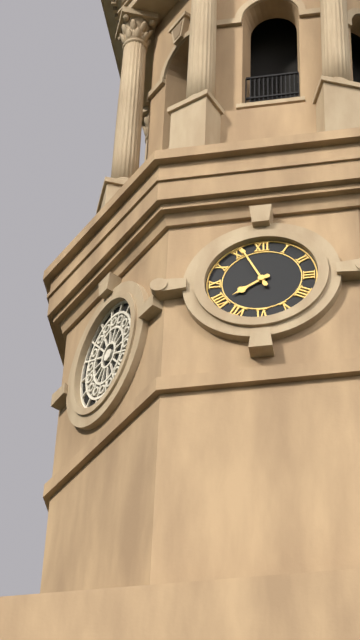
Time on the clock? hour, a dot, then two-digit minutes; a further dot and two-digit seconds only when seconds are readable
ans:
7.56
